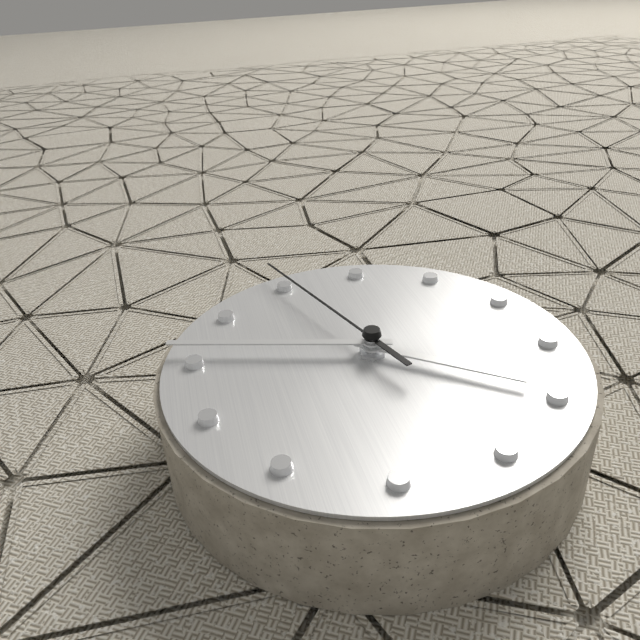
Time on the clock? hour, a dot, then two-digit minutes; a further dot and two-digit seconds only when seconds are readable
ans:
5.56.05
